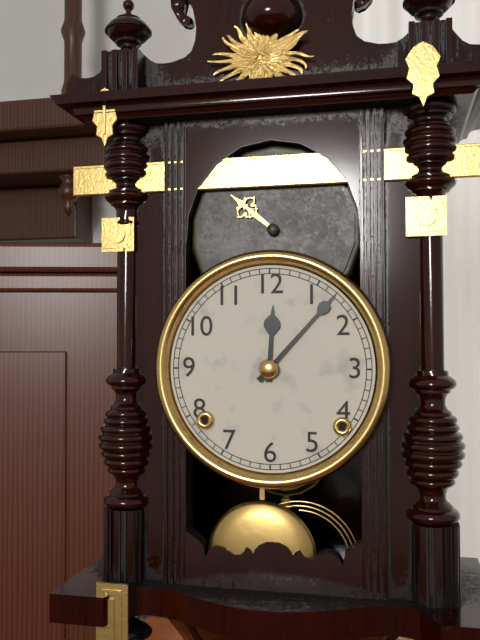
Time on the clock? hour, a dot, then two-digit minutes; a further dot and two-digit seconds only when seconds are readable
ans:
12.07
